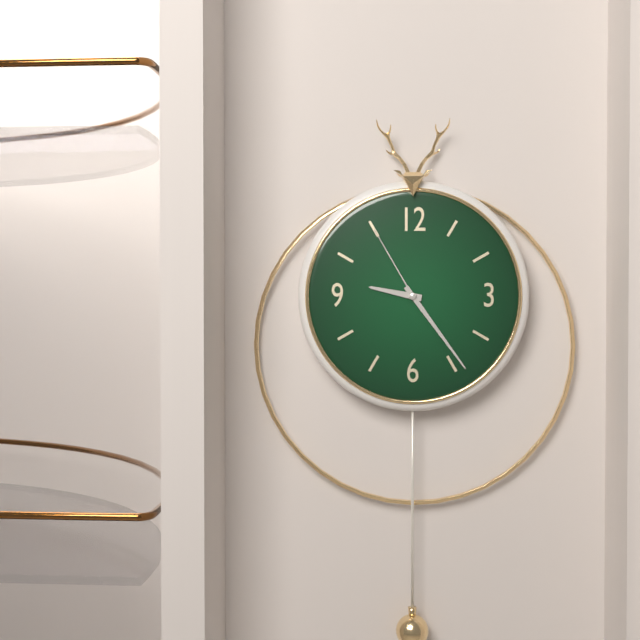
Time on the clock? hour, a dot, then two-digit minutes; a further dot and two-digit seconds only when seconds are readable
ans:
9.24.55
